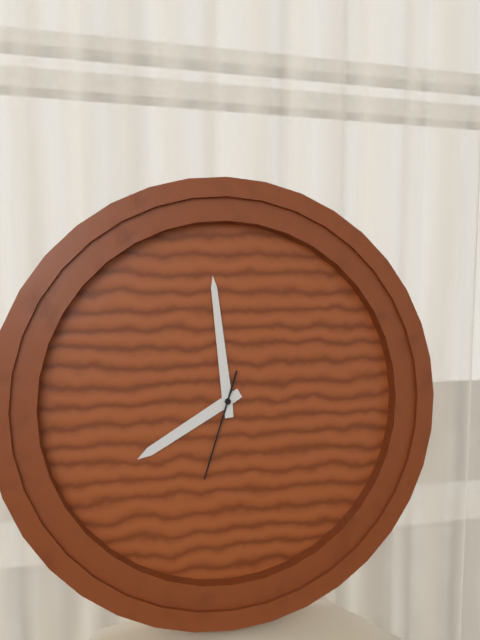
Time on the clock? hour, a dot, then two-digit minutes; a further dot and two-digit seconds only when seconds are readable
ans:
7.59.33
